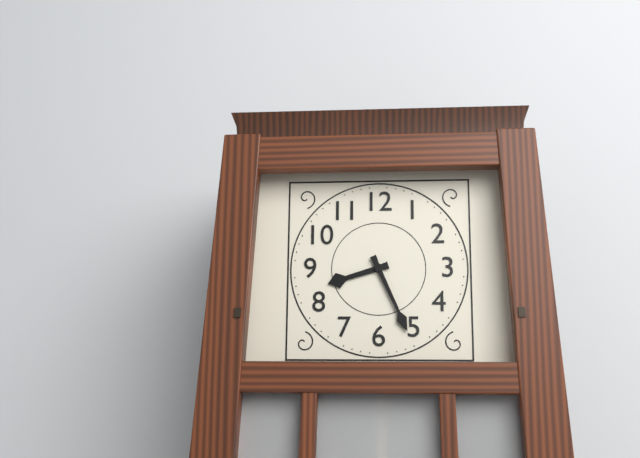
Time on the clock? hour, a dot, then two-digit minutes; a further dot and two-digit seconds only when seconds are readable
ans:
8.26
